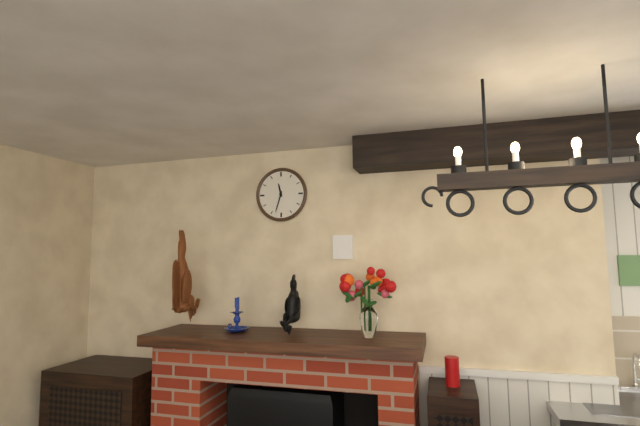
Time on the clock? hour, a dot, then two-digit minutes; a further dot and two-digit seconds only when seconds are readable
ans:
11.33
